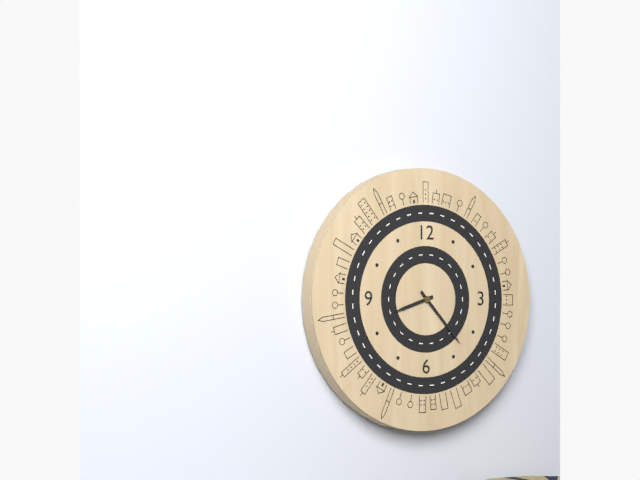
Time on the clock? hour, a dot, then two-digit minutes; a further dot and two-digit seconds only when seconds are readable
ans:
8.23
